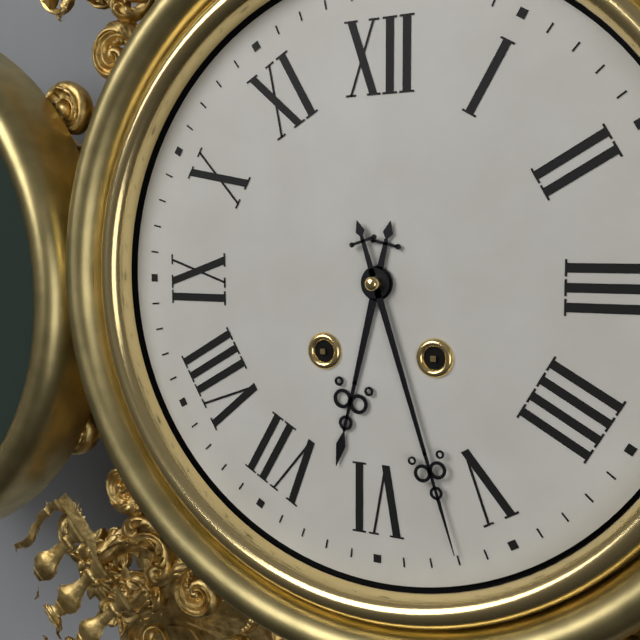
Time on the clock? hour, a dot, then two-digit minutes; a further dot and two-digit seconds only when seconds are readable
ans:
6.27
